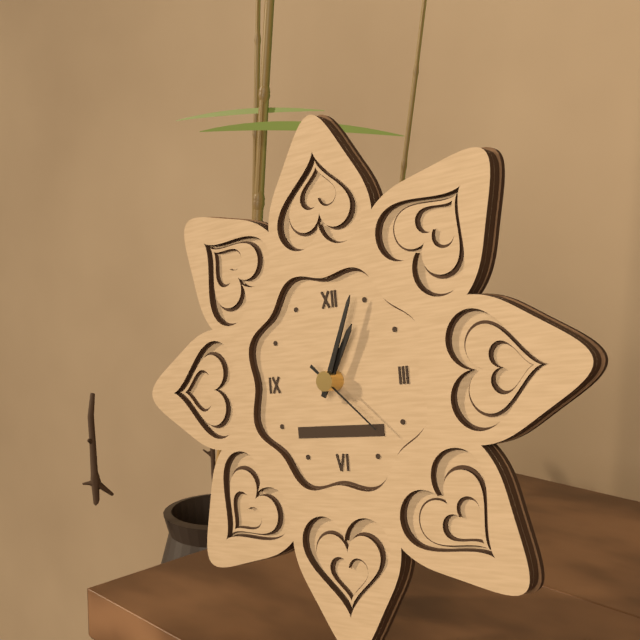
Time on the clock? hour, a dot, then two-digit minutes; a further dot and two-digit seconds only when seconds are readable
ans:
1.04.22
